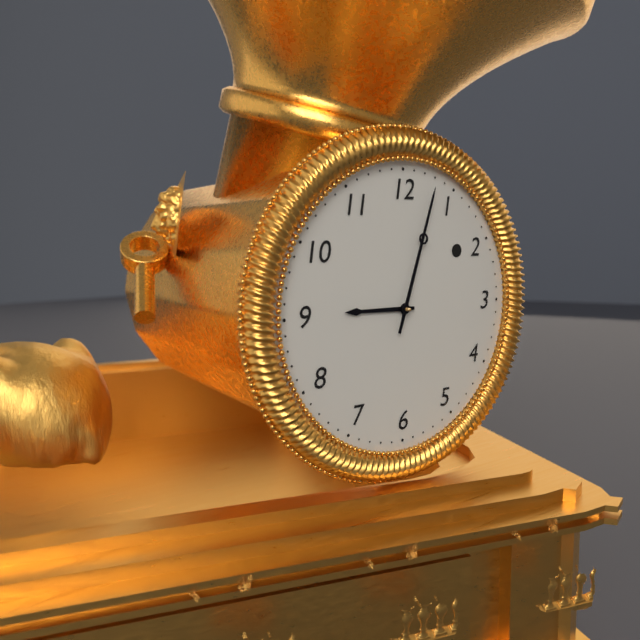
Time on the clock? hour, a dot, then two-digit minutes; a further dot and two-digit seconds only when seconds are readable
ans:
9.03
